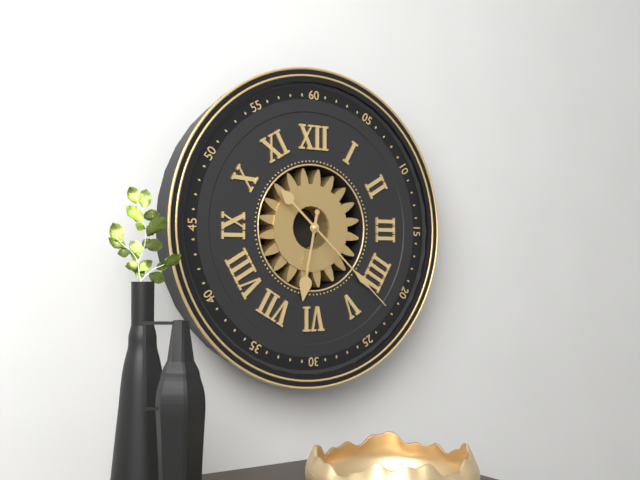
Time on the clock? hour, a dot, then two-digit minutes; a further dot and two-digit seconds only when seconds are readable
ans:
6.22
